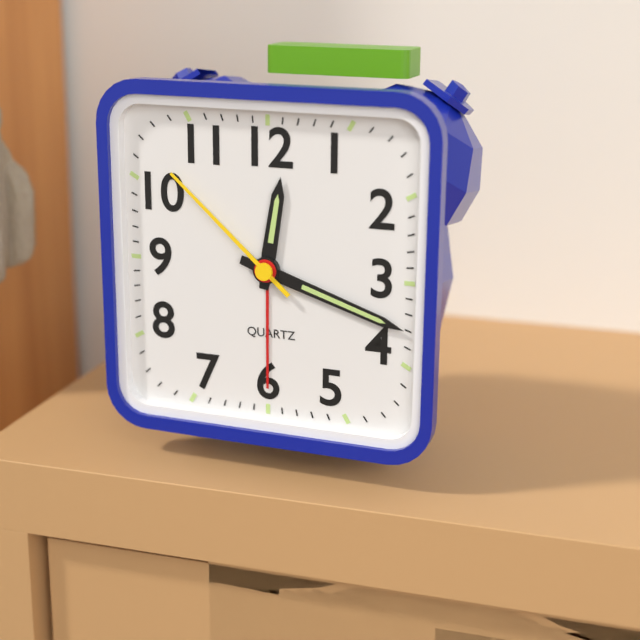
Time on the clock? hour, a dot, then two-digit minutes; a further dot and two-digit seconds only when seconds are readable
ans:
12.18.52
